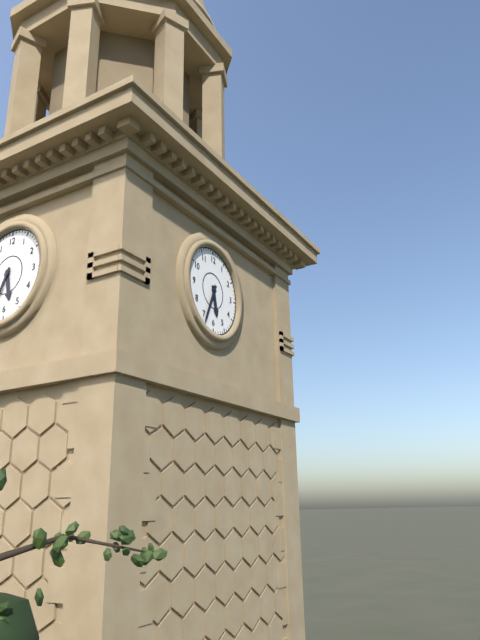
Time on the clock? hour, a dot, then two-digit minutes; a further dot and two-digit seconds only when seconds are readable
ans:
5.34
